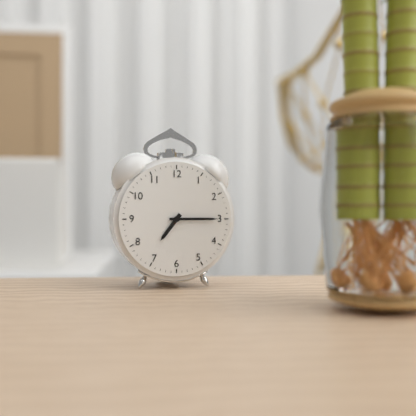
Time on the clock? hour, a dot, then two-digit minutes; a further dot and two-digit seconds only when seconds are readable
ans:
7.15
